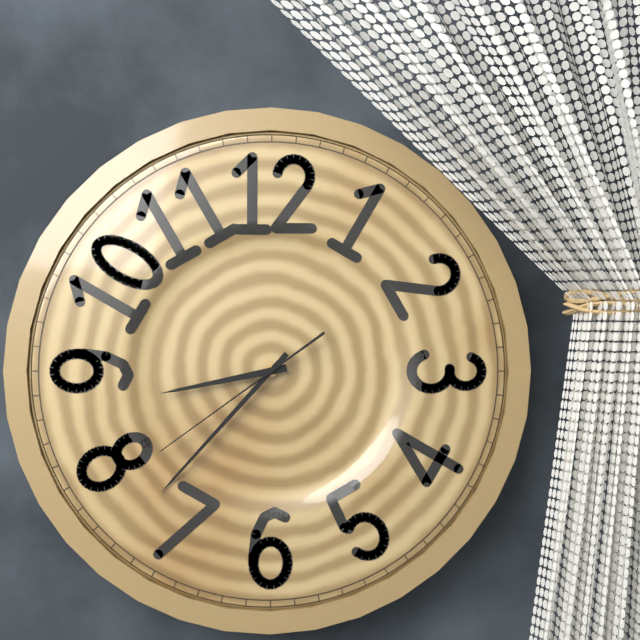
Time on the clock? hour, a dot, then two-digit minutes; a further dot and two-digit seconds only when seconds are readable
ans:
8.37.39
